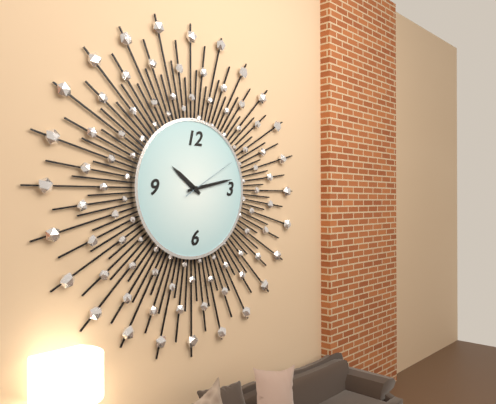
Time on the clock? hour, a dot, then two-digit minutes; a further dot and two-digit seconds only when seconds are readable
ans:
10.13.10
